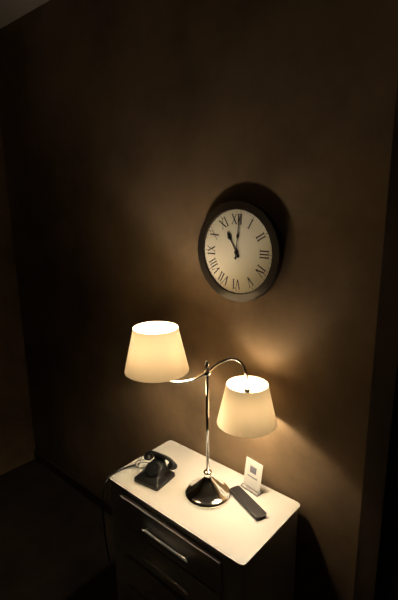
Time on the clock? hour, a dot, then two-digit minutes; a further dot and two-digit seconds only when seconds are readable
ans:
11.01
